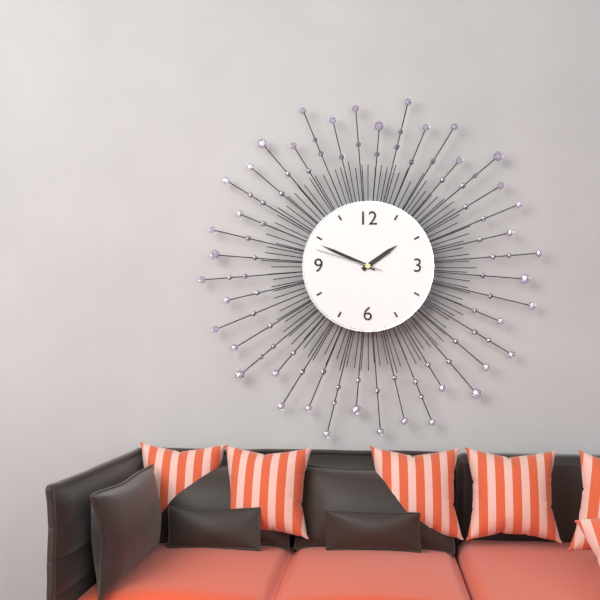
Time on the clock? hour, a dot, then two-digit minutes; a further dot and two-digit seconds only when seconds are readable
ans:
1.49.48
